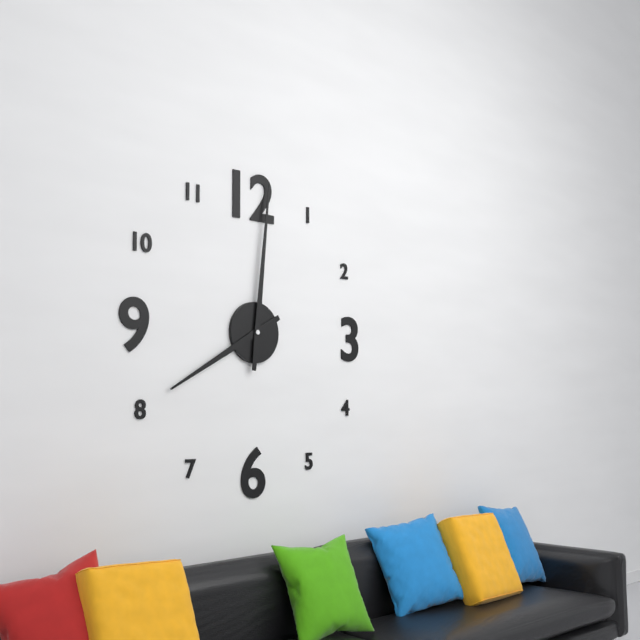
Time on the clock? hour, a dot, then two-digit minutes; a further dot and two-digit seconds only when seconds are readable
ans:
8.01
